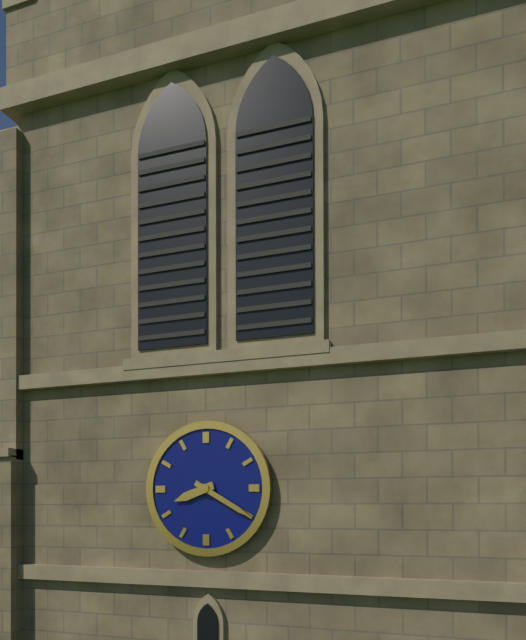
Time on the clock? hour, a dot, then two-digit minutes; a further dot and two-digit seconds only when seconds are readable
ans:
8.20
